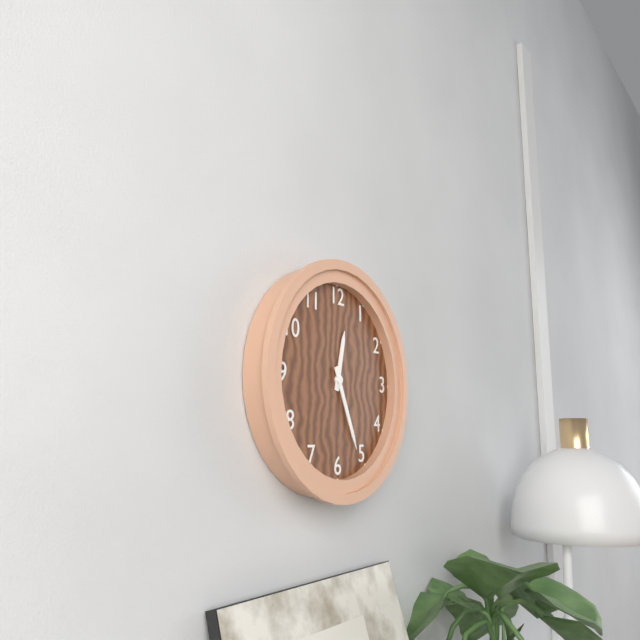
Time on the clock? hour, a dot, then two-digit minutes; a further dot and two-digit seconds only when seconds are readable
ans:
12.26
